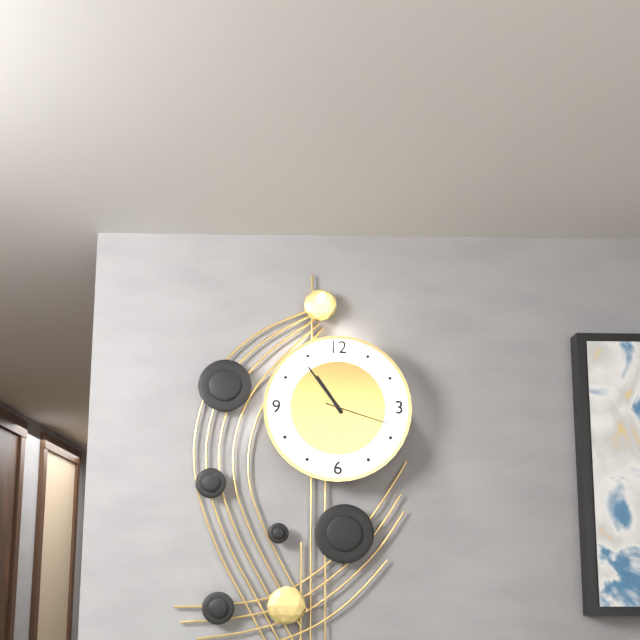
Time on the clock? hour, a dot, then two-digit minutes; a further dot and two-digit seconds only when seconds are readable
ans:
10.54.18
